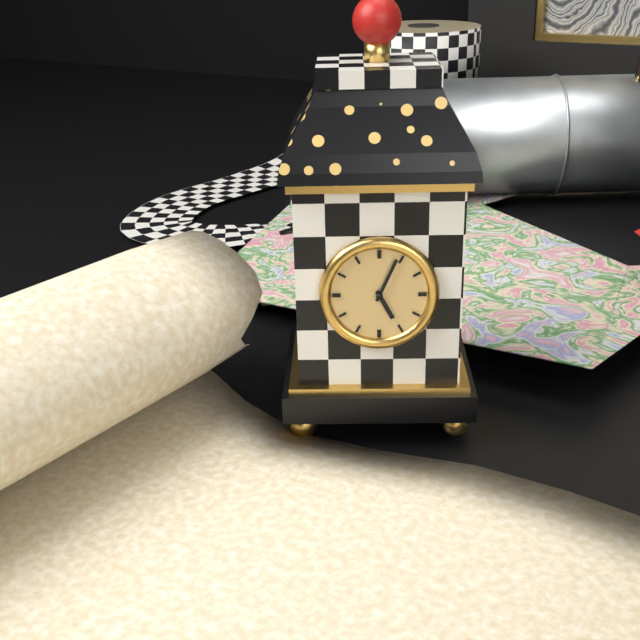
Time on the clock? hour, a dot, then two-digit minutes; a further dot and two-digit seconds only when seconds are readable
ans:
5.04
